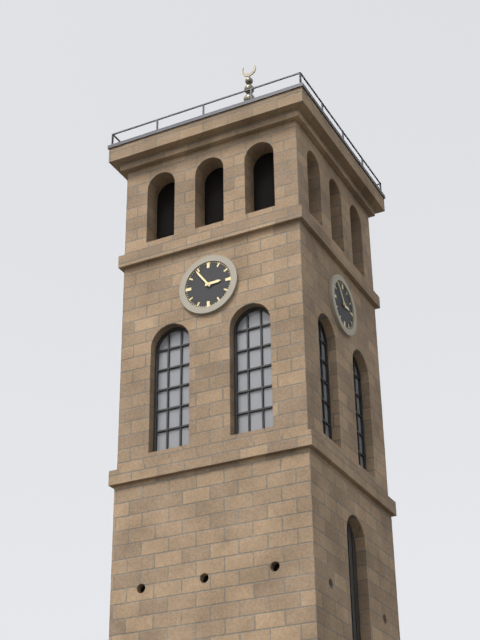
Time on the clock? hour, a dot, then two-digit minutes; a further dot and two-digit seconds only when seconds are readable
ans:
2.54
